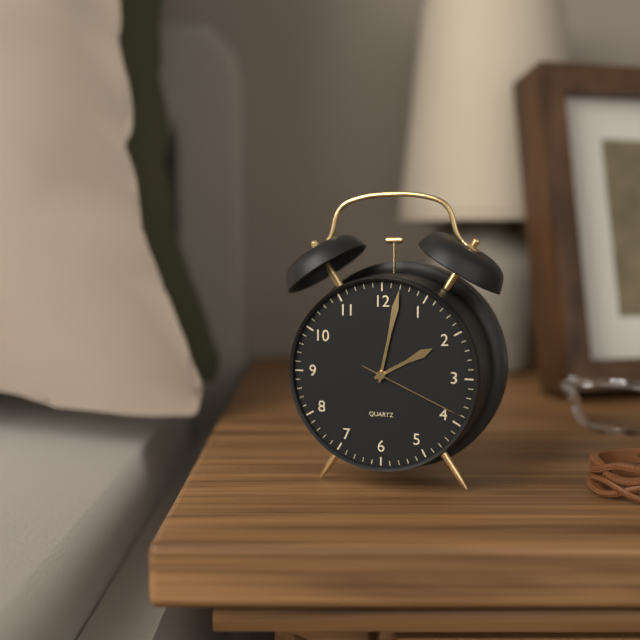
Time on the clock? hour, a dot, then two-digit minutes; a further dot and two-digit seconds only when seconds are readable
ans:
2.02.19
